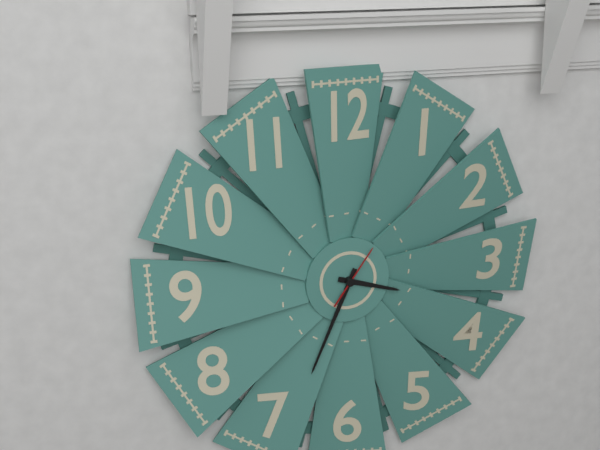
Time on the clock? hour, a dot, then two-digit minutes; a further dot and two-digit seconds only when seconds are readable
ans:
3.34.06
